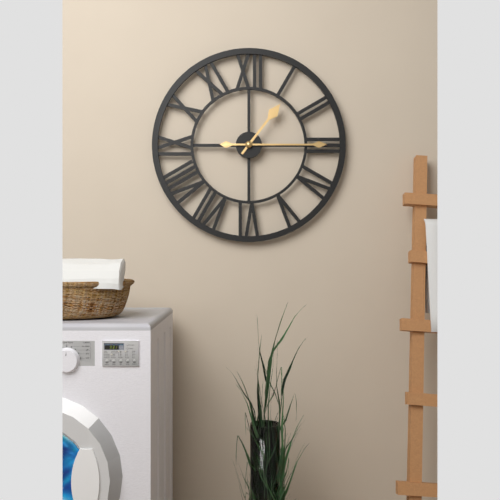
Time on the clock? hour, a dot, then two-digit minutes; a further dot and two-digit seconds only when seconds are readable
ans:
1.15
